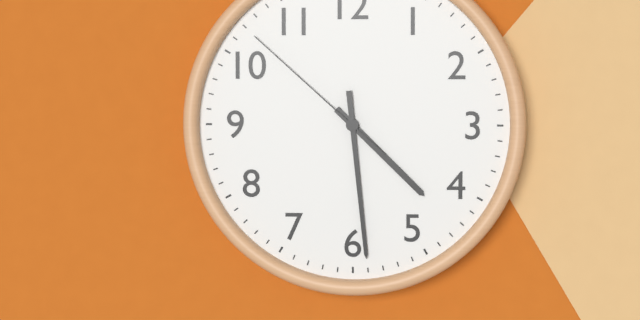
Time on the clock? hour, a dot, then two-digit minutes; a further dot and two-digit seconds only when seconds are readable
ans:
4.29.52
